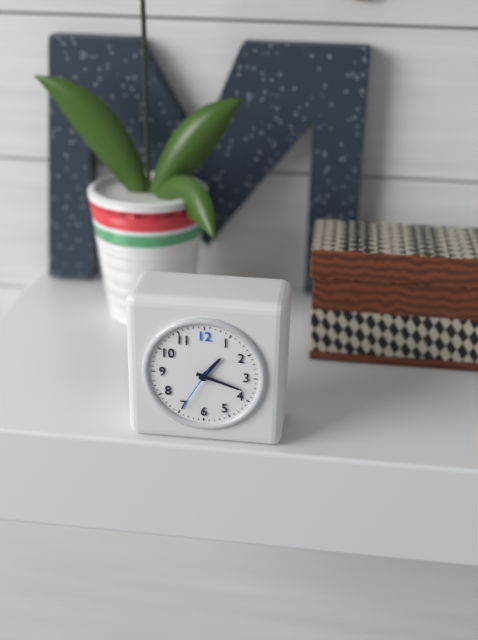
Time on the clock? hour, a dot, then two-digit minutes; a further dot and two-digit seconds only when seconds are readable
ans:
1.18
